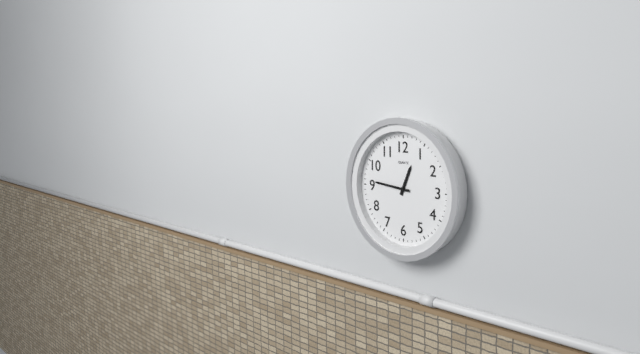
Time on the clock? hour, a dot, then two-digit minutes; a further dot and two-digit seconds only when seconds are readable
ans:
12.46
